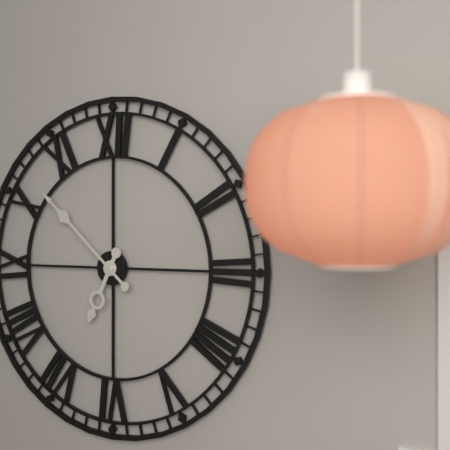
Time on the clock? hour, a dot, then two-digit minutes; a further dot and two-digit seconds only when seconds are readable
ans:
6.52
